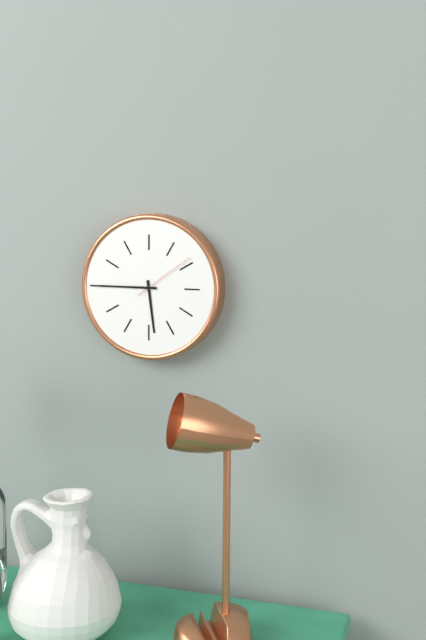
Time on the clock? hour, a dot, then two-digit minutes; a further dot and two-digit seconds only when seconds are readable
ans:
5.45.09
